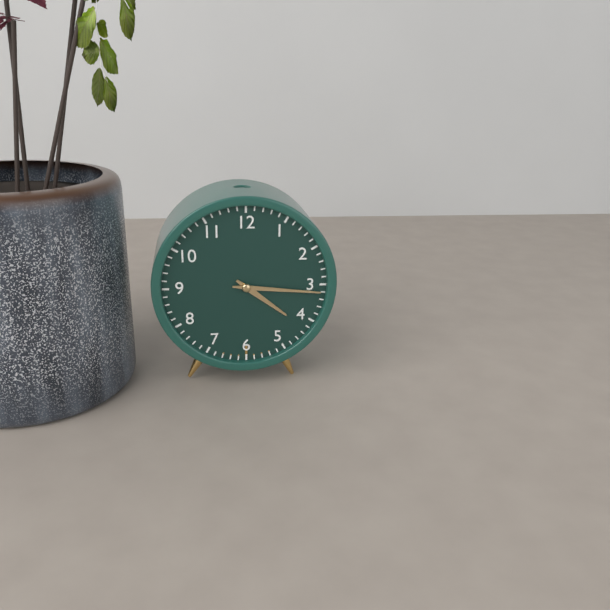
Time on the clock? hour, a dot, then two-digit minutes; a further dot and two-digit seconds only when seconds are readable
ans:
4.16
